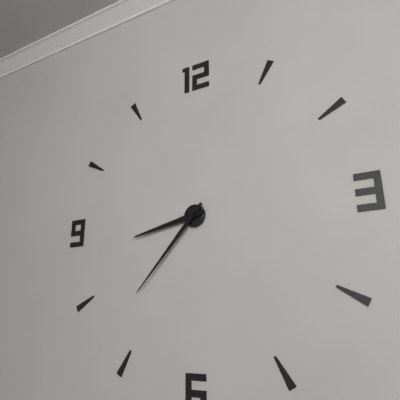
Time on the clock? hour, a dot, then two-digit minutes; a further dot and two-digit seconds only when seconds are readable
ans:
8.37
